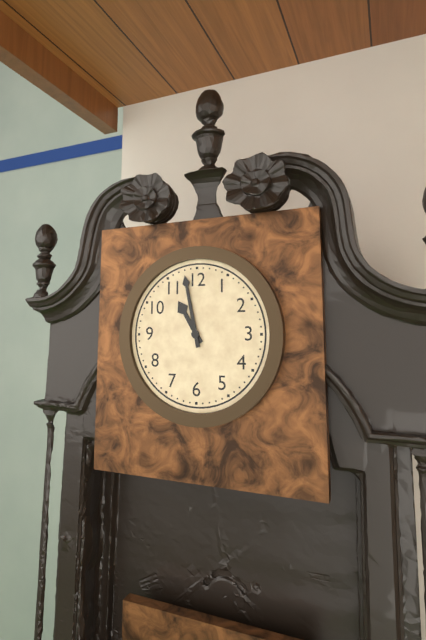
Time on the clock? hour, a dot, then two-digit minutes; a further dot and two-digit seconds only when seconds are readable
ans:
10.58
